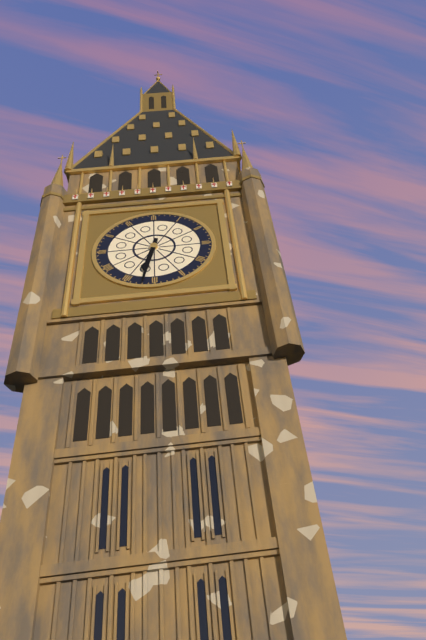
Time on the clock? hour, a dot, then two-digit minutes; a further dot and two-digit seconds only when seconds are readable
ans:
6.32
